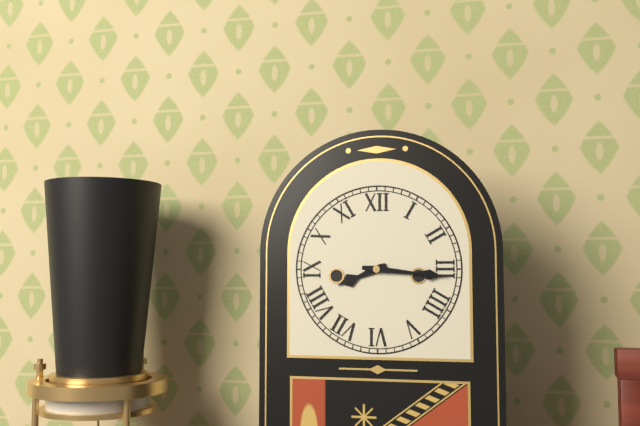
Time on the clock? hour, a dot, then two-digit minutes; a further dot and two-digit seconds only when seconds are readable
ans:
8.16
